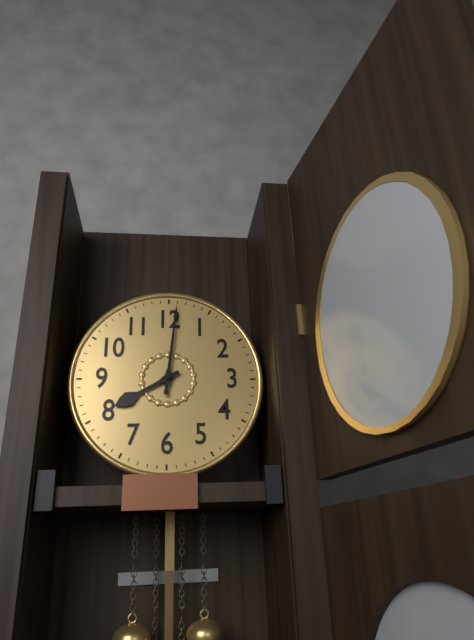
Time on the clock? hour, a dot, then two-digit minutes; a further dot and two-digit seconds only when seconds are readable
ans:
8.01
